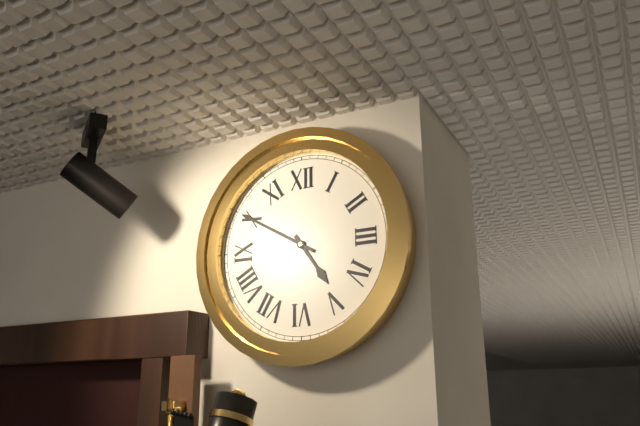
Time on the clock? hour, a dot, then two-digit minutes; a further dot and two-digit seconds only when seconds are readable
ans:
4.50
